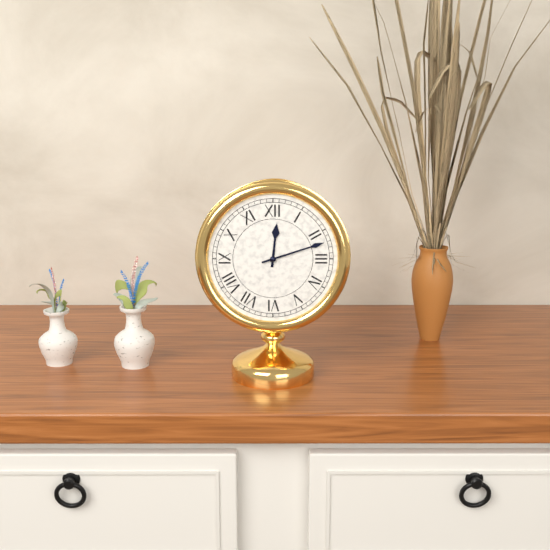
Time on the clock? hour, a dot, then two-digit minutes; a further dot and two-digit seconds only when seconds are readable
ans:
12.12
